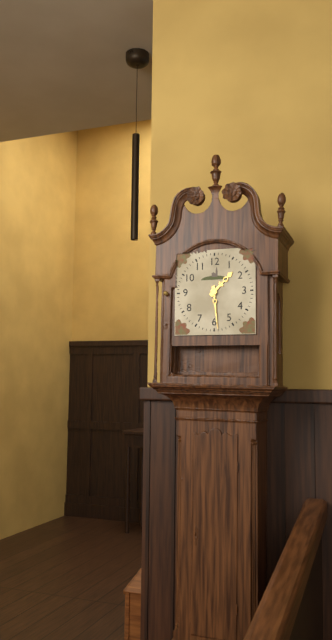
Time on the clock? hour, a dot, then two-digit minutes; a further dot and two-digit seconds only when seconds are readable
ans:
1.29
